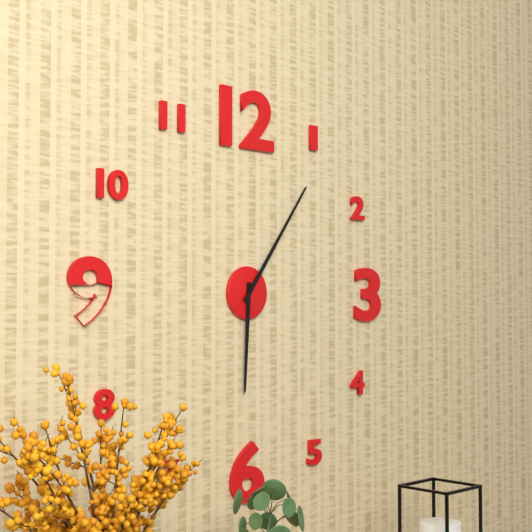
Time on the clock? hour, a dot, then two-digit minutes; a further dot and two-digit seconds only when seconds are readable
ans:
6.06
